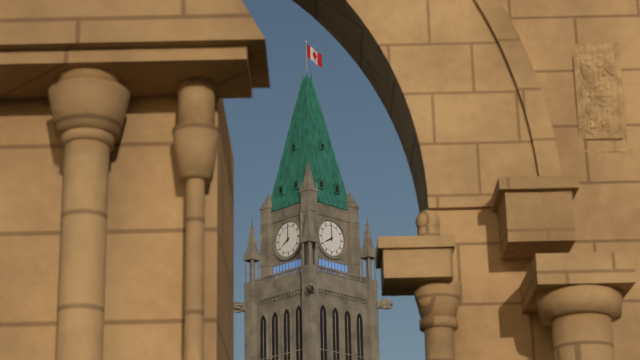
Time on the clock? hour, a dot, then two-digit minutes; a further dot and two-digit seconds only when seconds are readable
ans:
8.00
